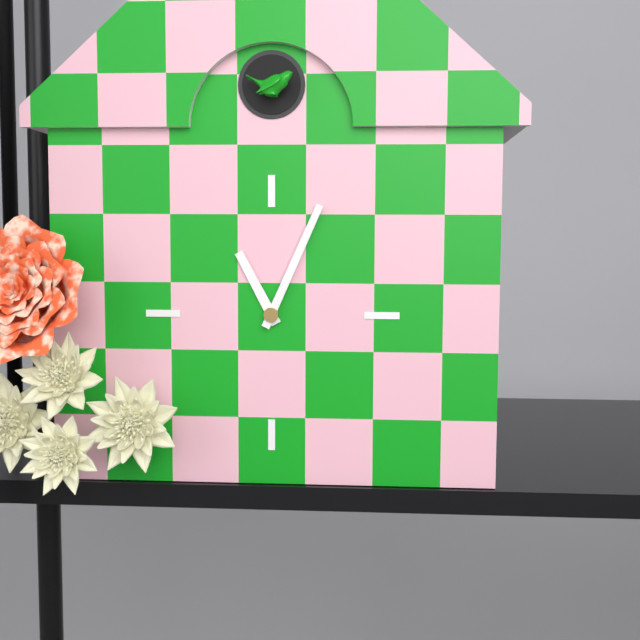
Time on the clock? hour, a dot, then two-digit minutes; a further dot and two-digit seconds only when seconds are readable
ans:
11.04
